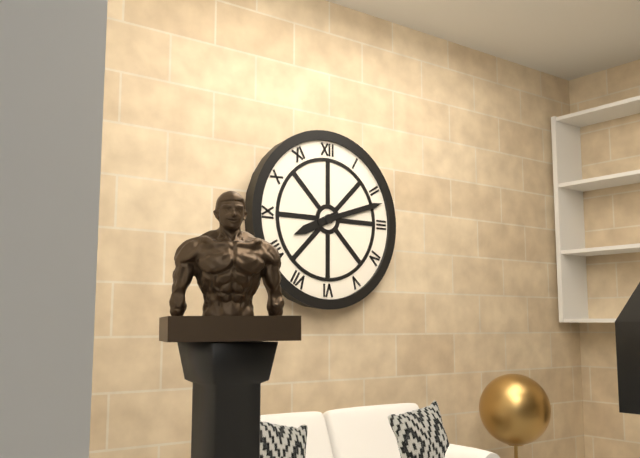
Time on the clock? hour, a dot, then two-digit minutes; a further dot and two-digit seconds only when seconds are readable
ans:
8.12
